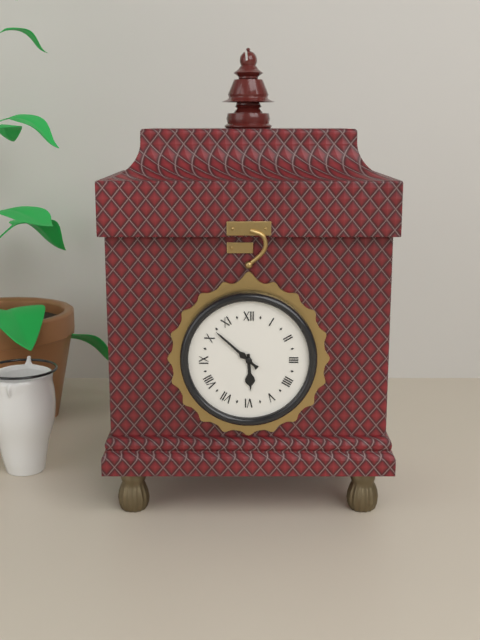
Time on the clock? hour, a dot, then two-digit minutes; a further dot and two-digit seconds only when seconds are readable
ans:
5.52
